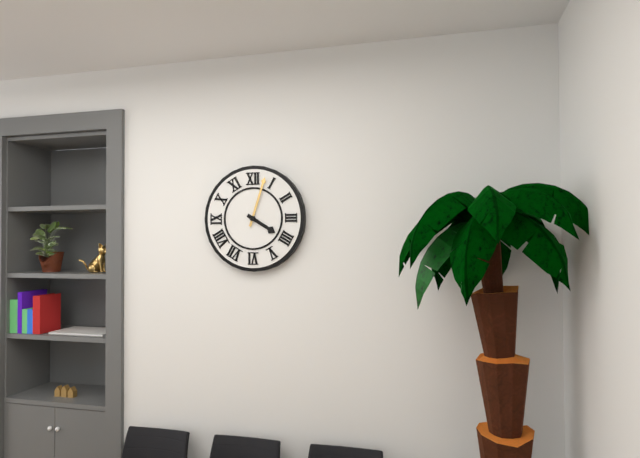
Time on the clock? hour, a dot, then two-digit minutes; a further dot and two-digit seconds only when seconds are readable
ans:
4.03
